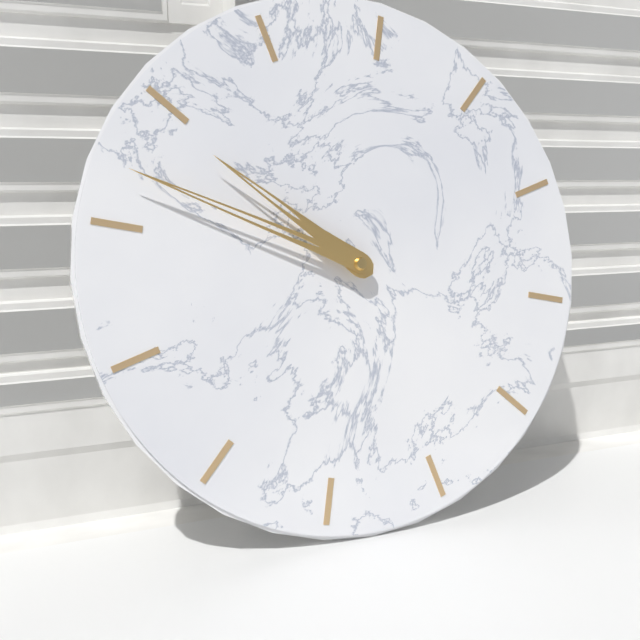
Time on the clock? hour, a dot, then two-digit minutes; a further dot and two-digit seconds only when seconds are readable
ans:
10.52
